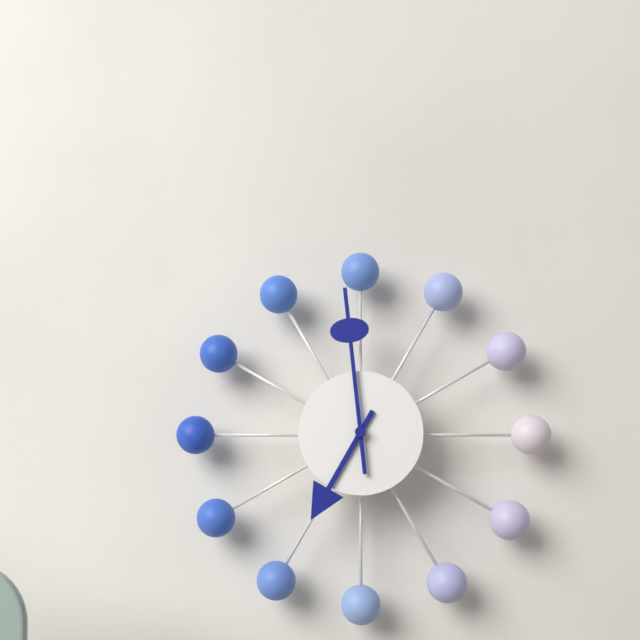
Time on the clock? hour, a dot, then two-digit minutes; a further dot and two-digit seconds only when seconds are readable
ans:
6.59
